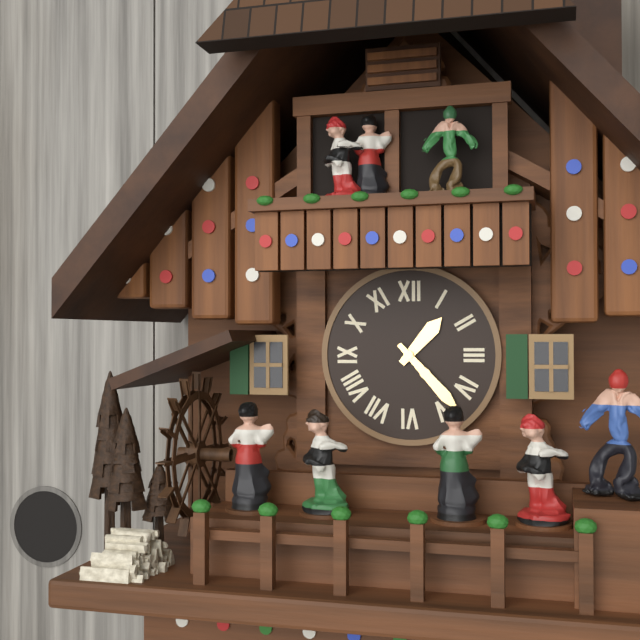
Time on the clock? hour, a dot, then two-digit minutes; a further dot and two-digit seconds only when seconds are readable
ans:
1.23
